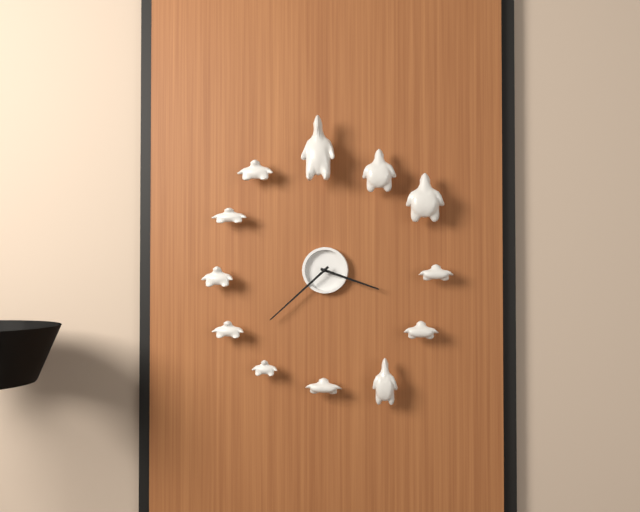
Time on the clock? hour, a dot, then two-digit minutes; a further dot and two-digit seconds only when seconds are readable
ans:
3.38
